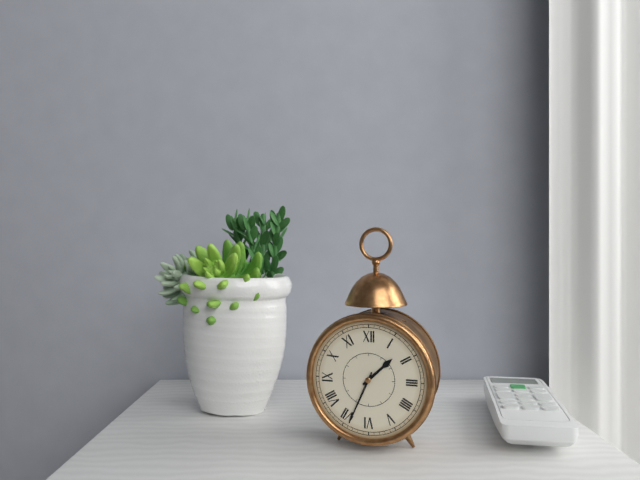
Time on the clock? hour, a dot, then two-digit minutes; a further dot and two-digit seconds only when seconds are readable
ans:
1.34
